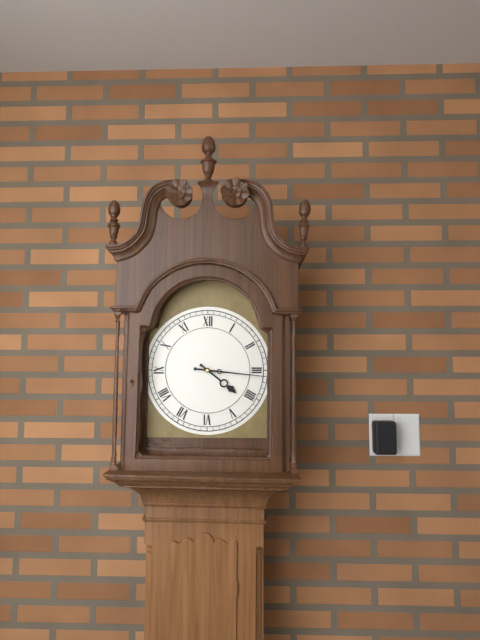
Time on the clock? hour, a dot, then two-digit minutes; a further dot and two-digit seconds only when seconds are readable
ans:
4.16
